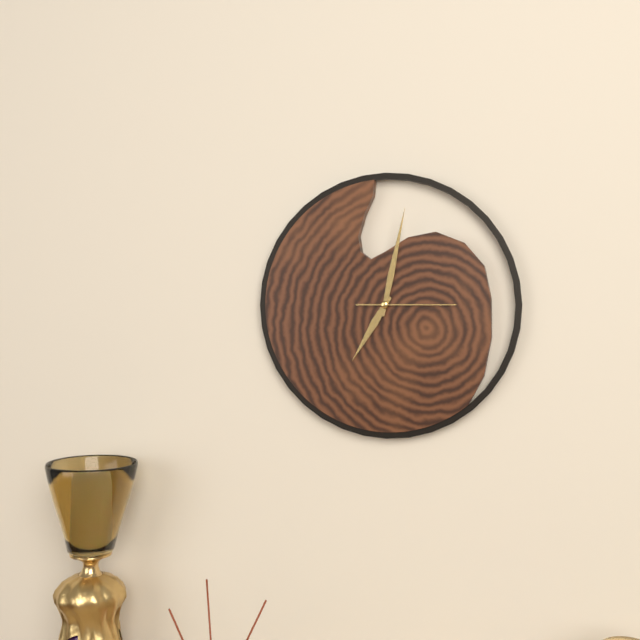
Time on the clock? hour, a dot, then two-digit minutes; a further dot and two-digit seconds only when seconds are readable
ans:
7.02.15
